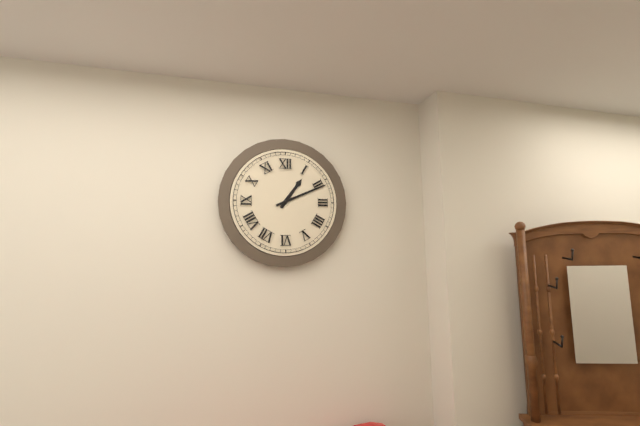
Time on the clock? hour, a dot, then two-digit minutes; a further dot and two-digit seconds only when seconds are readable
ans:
1.11
